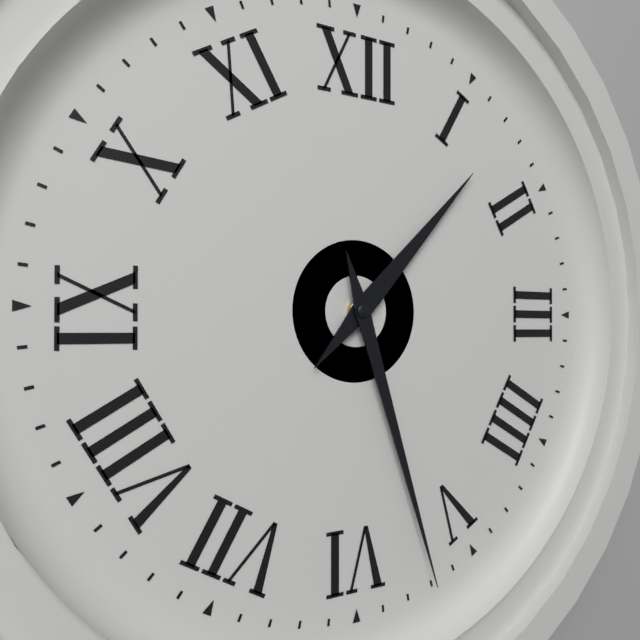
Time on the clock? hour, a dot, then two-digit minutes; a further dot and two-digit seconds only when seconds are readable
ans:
1.27
